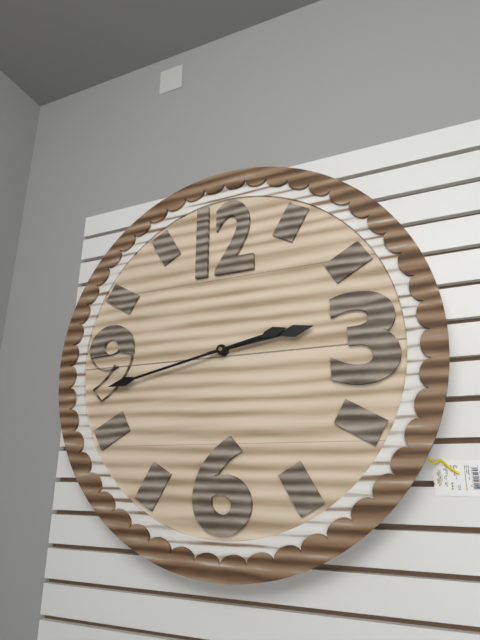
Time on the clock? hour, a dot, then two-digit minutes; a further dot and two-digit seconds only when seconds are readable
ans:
2.43
